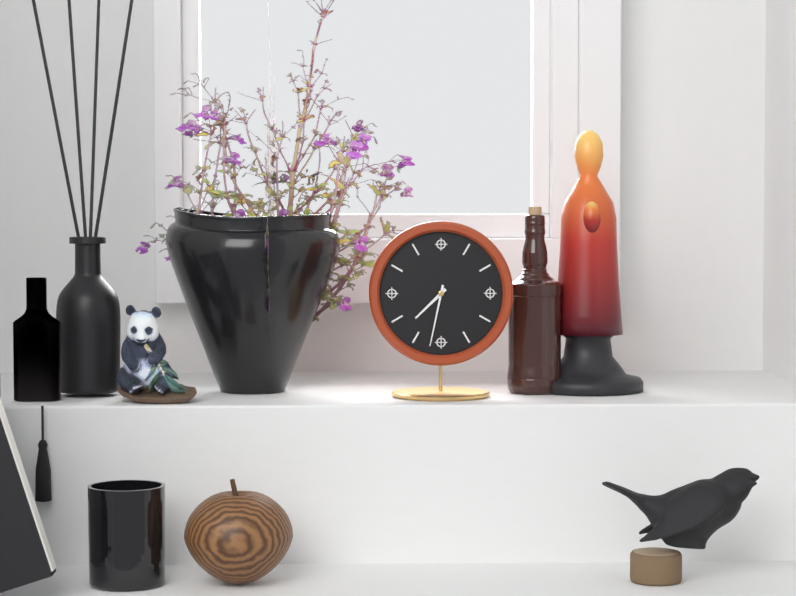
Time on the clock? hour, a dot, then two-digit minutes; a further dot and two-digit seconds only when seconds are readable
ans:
7.32
